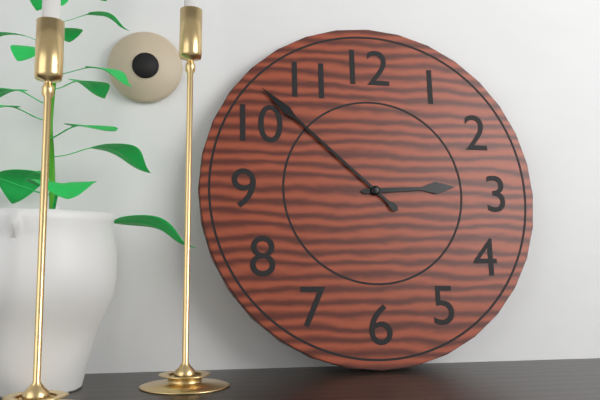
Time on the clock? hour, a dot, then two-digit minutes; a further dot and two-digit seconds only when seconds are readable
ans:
2.52
